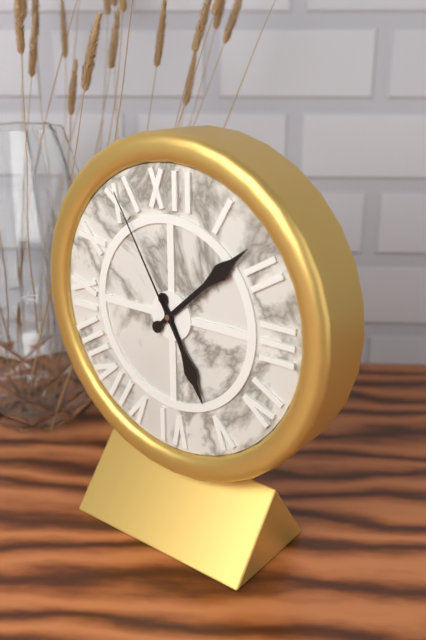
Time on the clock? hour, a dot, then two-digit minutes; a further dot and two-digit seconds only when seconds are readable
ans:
5.08.55
